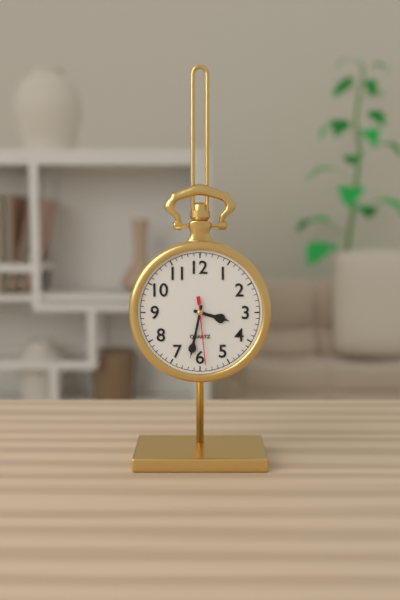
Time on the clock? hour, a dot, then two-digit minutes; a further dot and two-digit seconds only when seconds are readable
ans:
3.32.29
